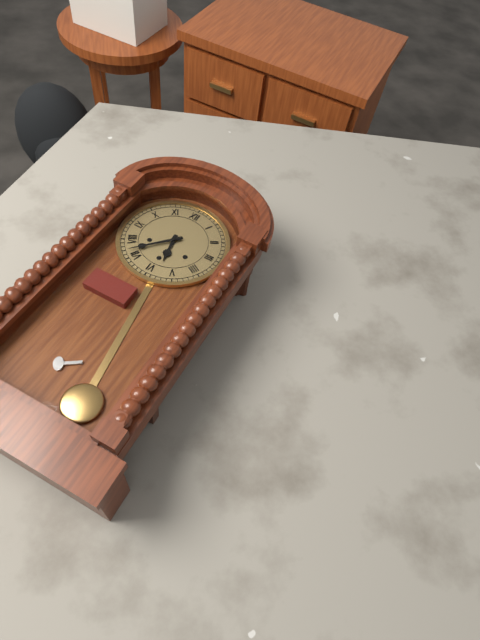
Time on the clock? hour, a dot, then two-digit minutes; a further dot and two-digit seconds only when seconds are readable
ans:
5.37
